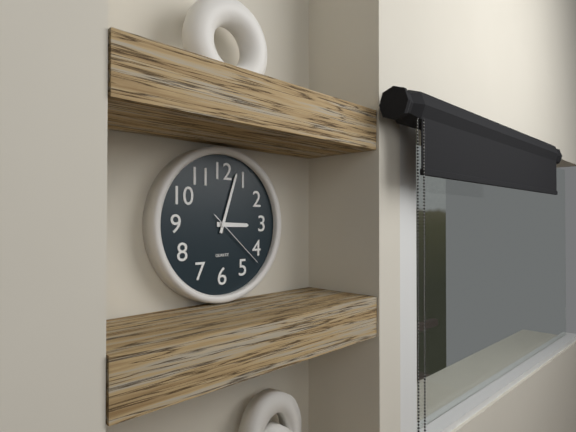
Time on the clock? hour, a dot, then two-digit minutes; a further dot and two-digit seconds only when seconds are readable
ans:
3.03.22
